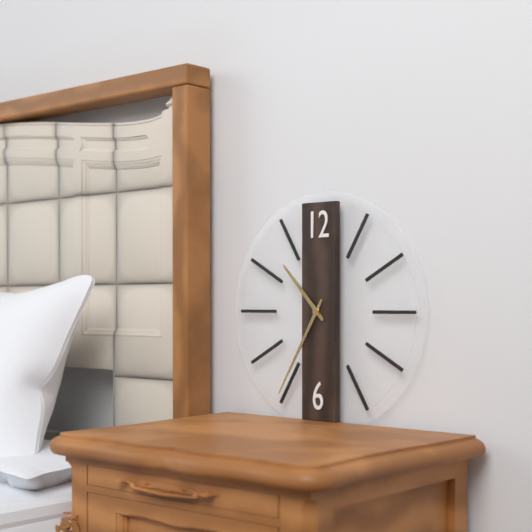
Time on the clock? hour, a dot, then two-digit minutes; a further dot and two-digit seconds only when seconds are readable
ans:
10.35
